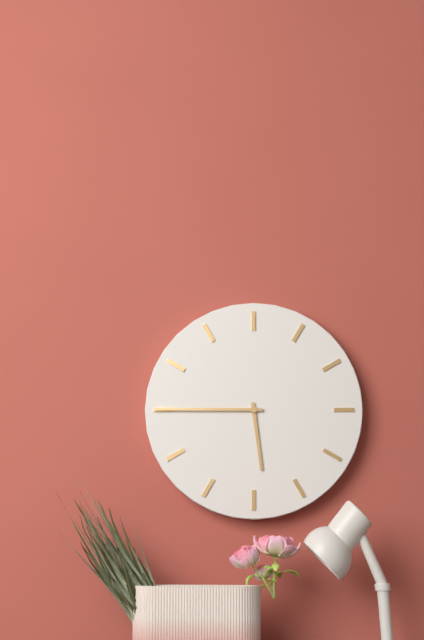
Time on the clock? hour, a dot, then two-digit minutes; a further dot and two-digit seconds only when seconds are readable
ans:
5.45
